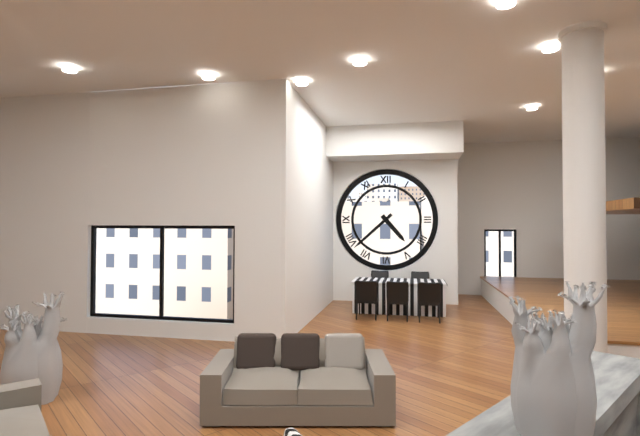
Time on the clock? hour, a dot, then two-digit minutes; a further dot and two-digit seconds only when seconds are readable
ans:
4.38
